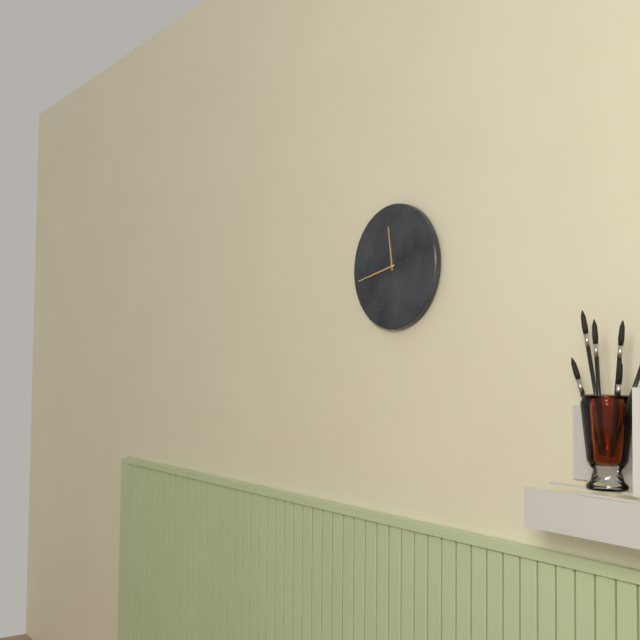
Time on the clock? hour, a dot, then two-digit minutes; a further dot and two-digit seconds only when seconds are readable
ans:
11.43
